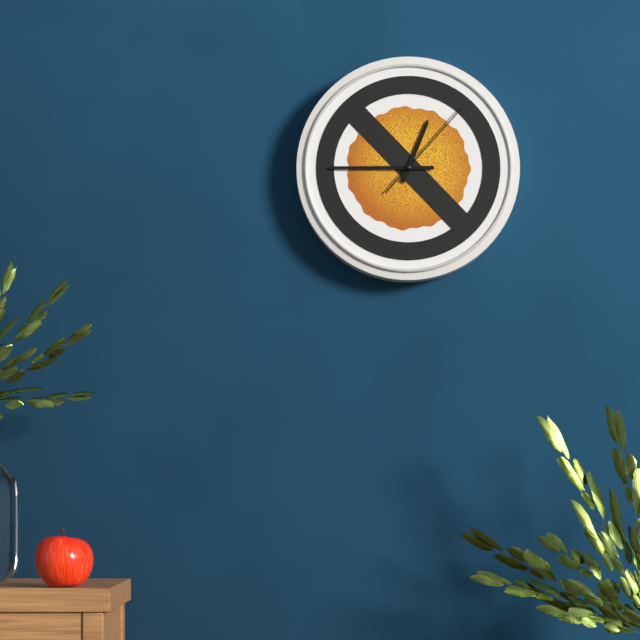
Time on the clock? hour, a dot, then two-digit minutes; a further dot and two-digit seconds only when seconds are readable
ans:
12.45.07
